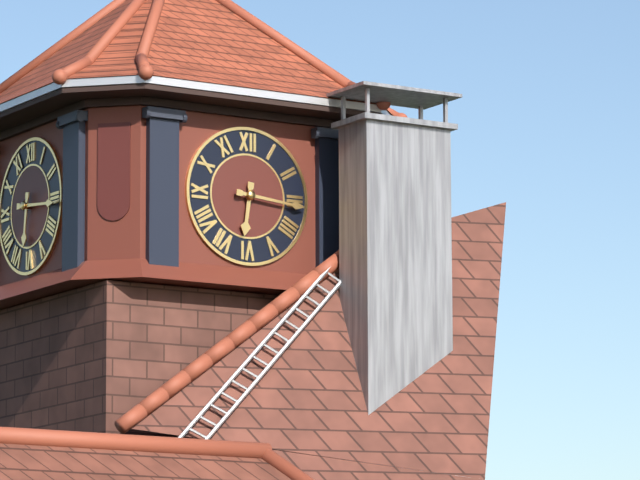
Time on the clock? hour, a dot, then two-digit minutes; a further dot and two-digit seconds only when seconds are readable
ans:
6.16
